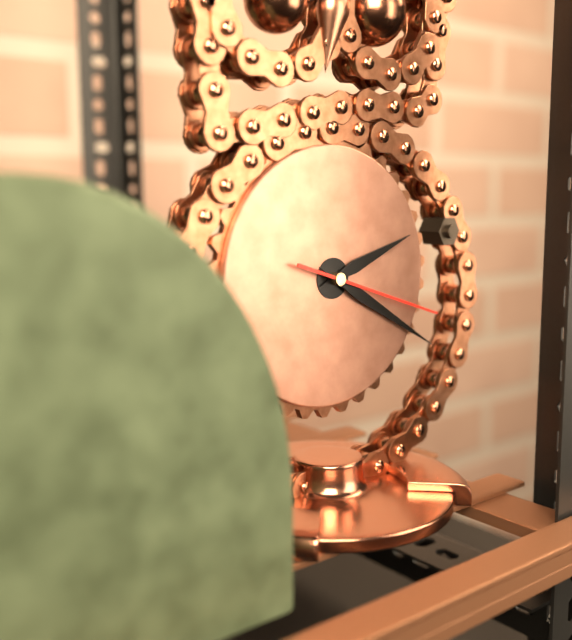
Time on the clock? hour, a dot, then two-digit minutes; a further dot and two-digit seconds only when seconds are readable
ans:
2.20.18
